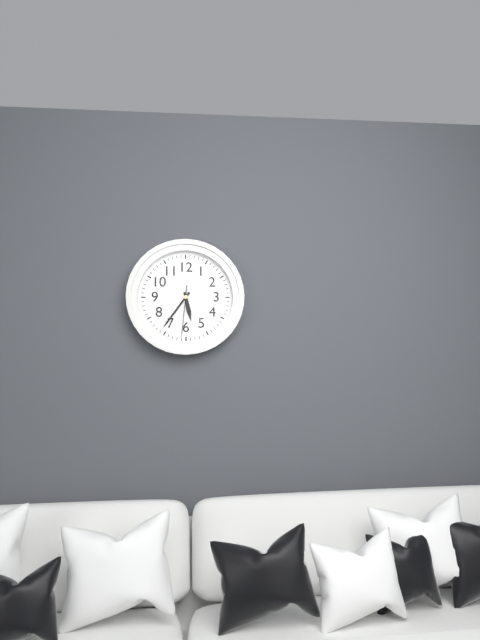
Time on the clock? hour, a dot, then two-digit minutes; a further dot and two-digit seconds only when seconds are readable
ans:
5.36.31
